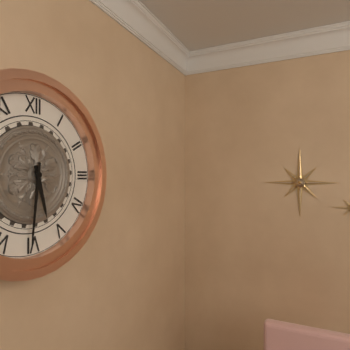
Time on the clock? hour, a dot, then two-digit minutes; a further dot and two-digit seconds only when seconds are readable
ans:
5.31
